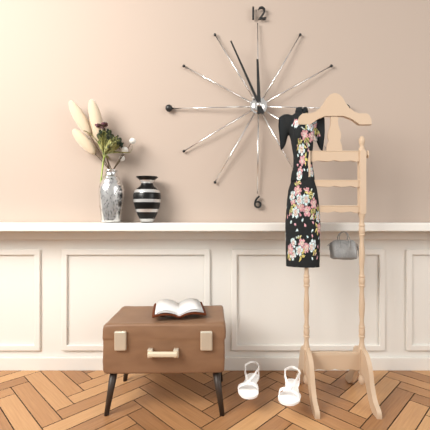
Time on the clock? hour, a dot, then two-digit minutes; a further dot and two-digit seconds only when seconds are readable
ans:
11.56
